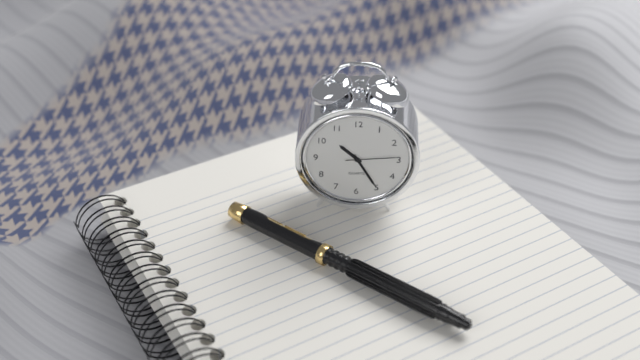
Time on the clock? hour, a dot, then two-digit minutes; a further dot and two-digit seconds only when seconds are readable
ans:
10.25.14
